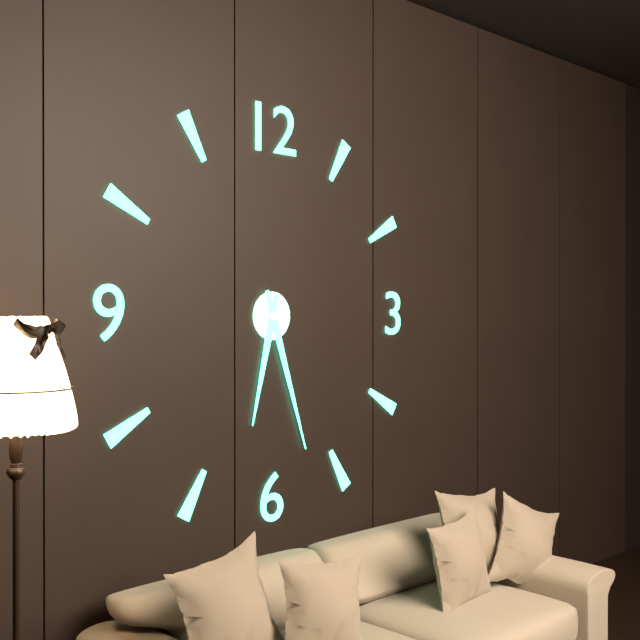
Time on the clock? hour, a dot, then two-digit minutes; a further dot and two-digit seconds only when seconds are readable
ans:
6.27
